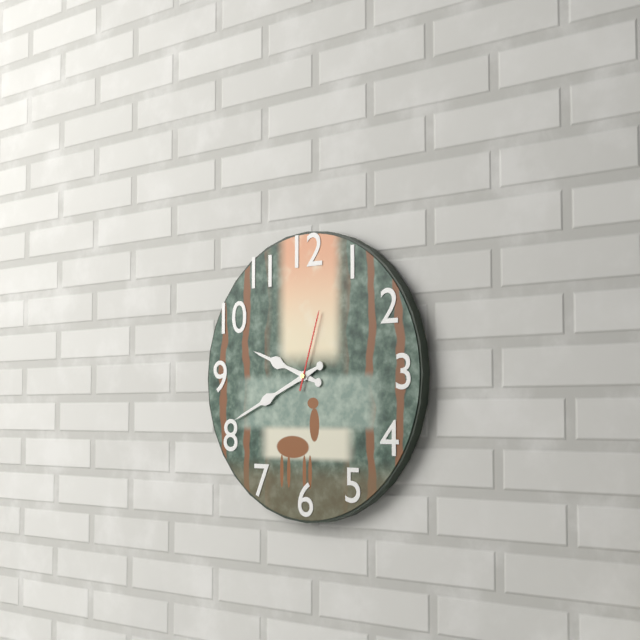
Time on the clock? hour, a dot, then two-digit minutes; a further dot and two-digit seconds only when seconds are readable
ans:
9.41.03
